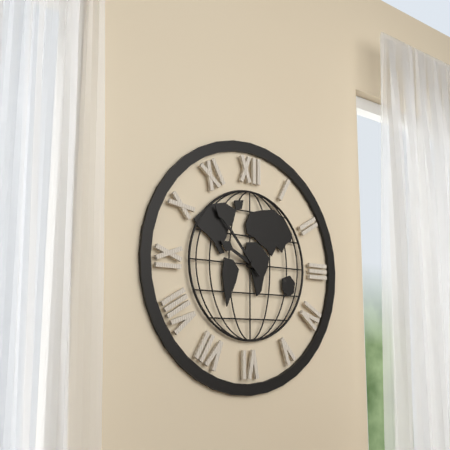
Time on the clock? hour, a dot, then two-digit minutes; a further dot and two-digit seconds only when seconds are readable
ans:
9.53
